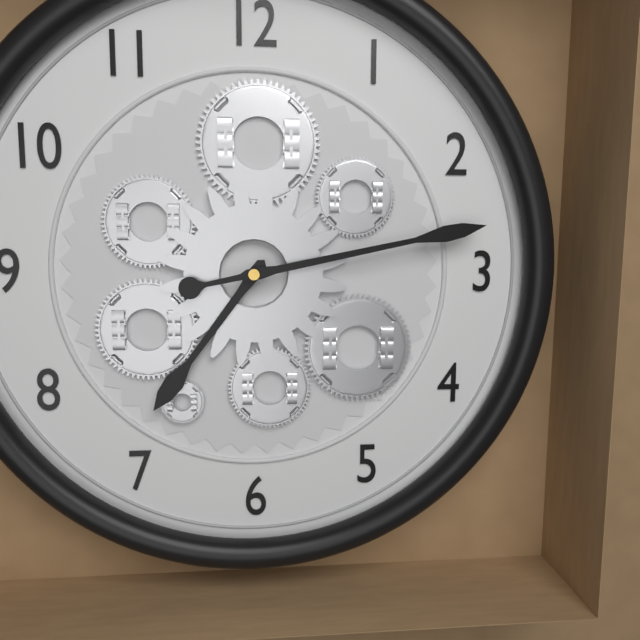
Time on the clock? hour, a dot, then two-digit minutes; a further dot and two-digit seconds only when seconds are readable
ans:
7.13
